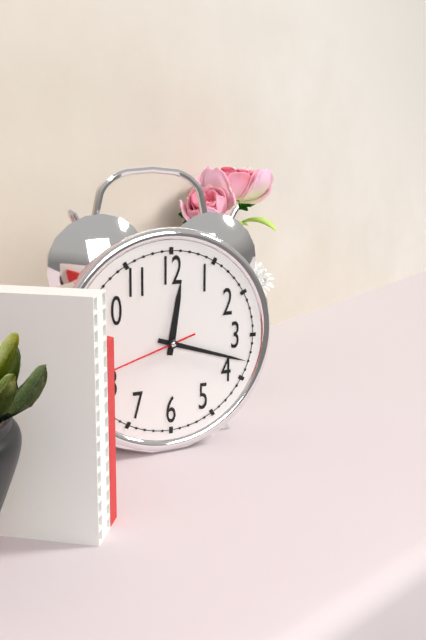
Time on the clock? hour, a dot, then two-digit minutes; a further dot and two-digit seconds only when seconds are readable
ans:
12.18.42
